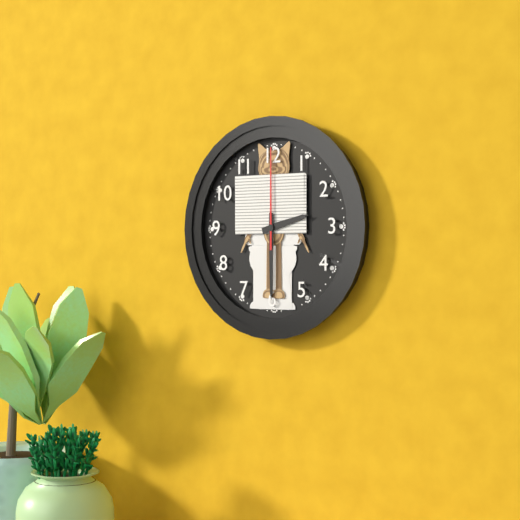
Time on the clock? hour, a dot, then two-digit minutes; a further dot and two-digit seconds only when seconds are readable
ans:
2.30.00
